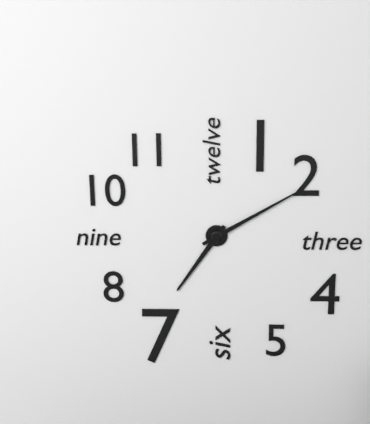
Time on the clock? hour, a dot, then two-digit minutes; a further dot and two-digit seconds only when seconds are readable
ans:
7.10
